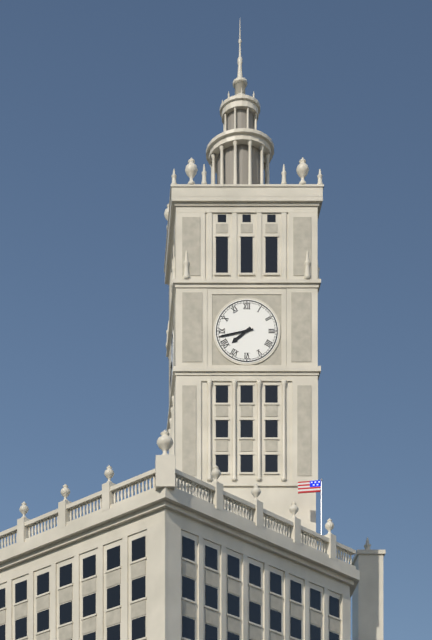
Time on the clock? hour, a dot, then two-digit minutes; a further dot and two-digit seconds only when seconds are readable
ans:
7.43
